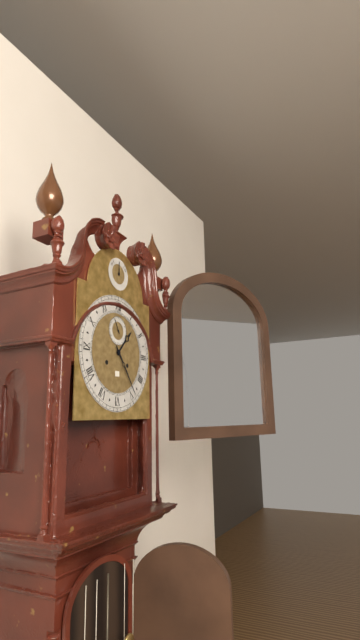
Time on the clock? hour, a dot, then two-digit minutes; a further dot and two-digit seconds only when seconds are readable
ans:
1.24
